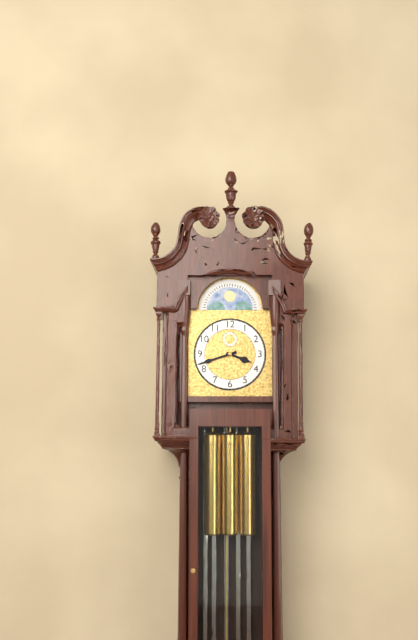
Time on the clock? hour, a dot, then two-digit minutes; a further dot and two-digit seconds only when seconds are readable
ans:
3.42
